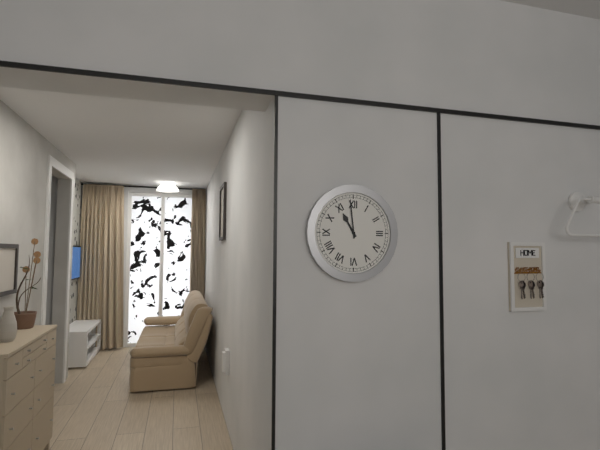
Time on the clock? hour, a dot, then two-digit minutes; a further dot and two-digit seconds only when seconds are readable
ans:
10.59
